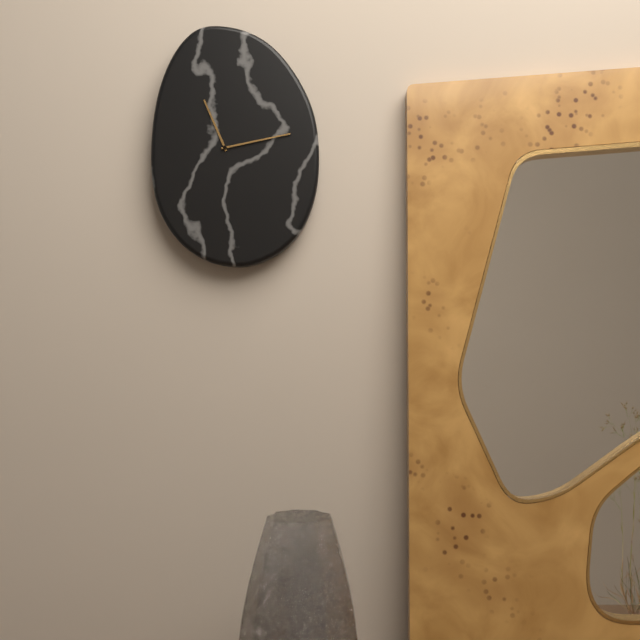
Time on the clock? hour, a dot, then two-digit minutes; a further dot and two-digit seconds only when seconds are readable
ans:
11.13
